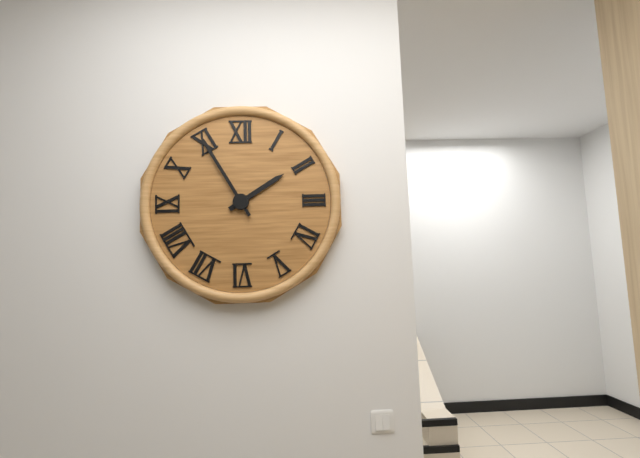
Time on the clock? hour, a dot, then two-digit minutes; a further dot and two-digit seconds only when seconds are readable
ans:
1.55
